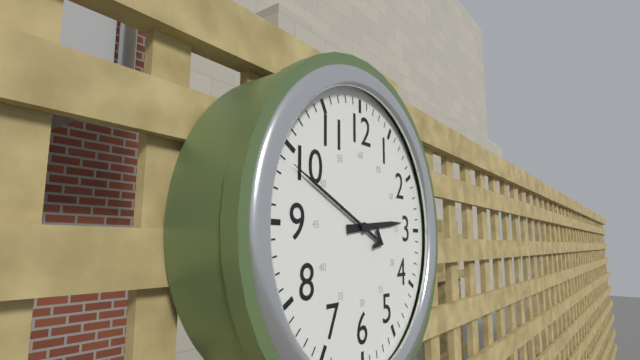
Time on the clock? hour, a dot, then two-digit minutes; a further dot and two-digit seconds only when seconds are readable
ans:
2.49
